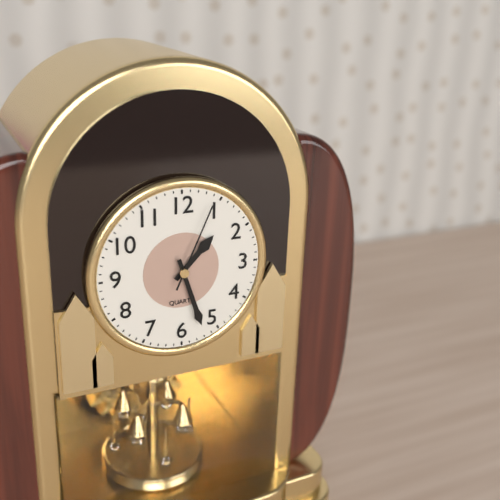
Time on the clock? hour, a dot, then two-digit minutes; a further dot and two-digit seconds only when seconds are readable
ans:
1.27.04
